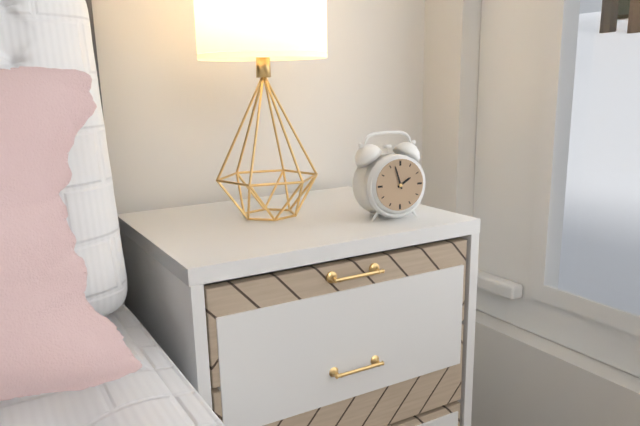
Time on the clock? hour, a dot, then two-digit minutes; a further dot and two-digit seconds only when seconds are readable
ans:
1.57
